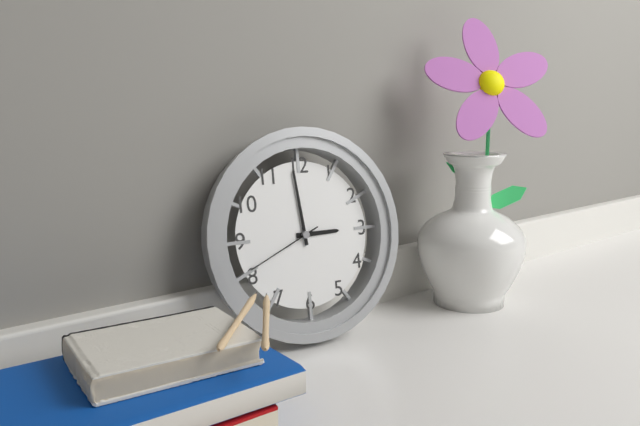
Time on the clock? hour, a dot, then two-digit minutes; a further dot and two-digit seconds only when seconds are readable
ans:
2.59.41
